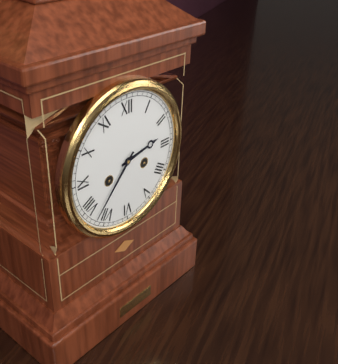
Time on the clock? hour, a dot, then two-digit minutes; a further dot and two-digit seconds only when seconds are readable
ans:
2.37
